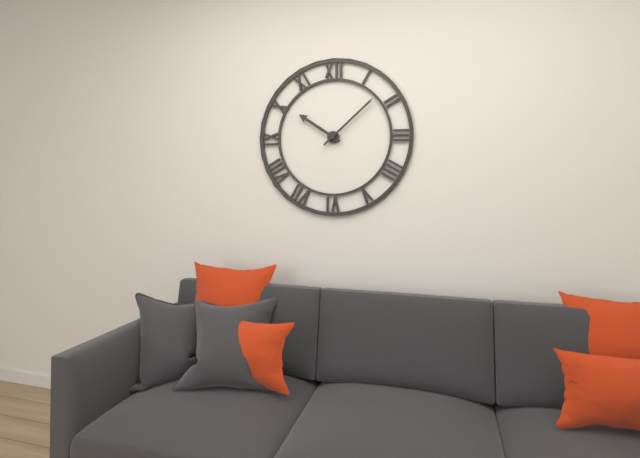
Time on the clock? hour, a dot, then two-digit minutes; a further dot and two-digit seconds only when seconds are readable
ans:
10.08
